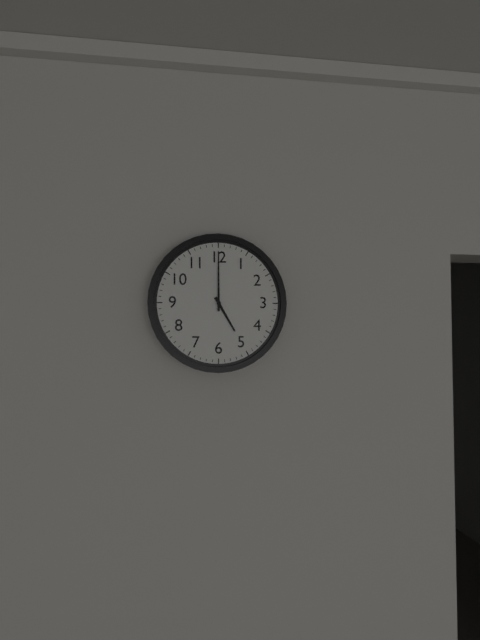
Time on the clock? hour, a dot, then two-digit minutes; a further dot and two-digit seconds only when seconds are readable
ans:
5.00
